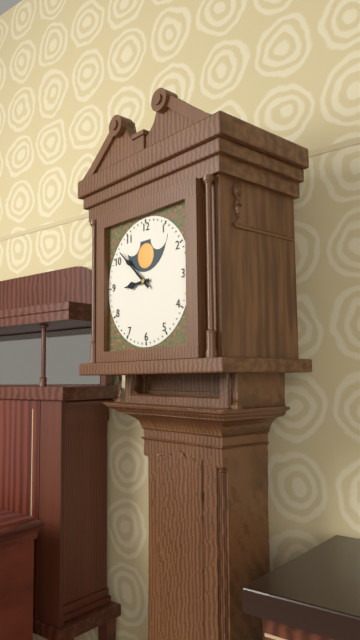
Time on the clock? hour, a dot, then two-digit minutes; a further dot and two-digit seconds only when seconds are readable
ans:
8.52
